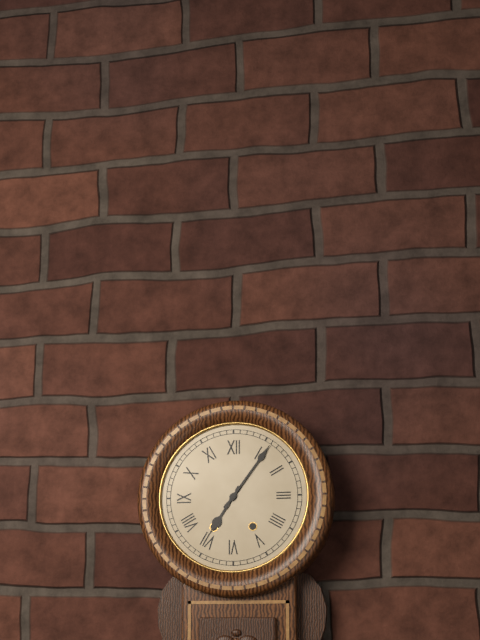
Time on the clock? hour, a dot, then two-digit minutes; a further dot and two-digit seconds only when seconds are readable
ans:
7.06
